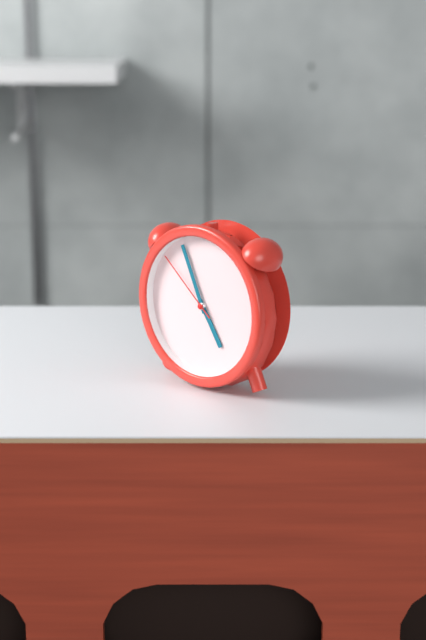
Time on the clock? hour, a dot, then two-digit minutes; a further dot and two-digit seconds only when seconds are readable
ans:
4.56.52
